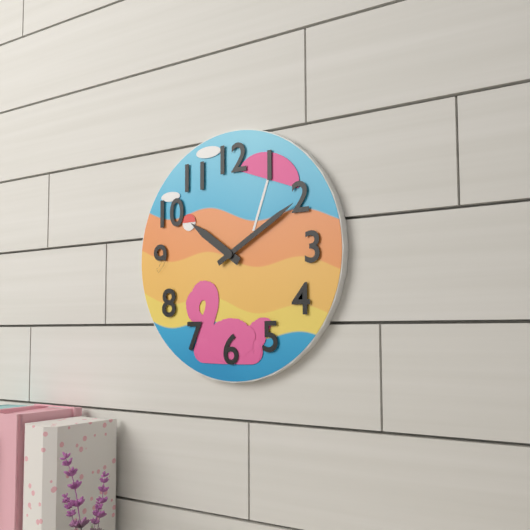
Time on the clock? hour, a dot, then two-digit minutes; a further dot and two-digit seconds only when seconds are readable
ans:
10.10
